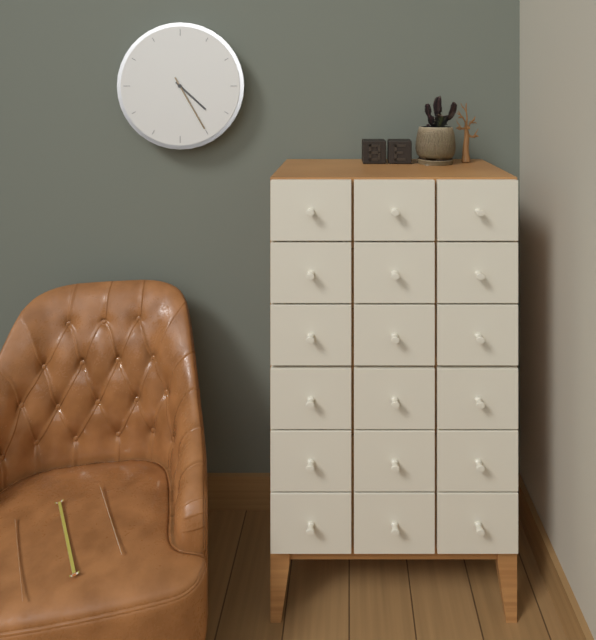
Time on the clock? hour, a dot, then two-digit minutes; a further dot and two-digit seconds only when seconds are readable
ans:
4.25
